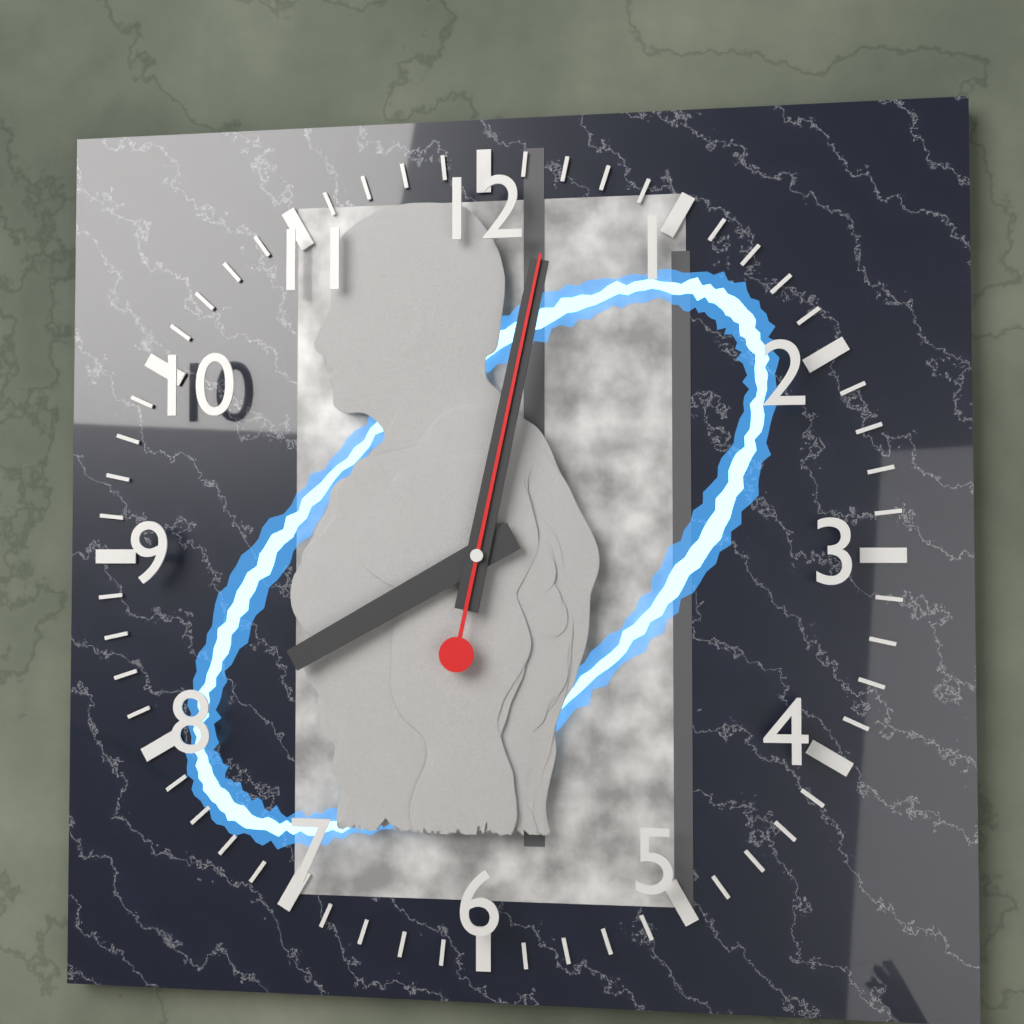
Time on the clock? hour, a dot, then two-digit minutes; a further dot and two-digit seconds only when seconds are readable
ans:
8.02.02
